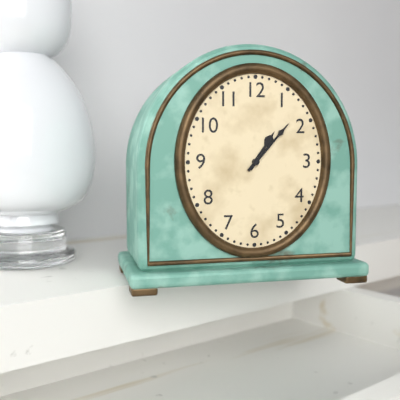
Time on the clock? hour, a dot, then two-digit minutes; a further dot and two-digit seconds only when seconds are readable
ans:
1.07
